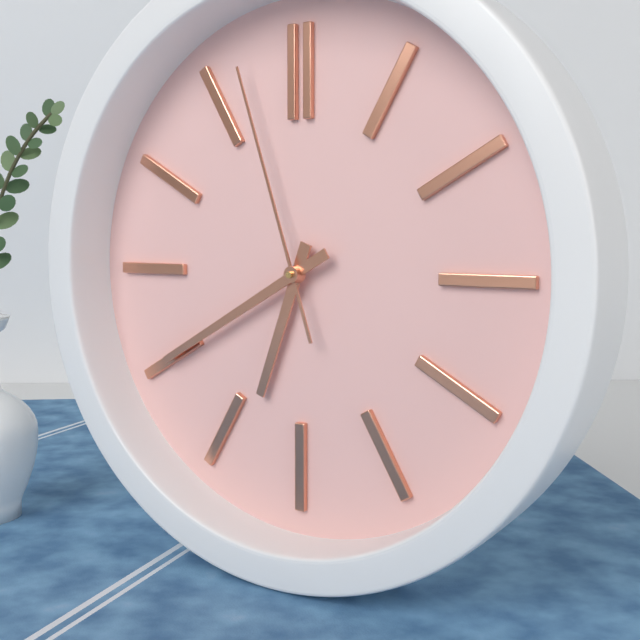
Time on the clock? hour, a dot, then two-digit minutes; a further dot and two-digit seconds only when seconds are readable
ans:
6.40.57
